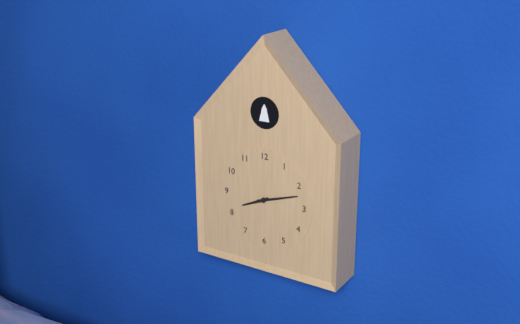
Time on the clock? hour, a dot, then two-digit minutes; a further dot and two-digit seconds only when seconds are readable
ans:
8.12
